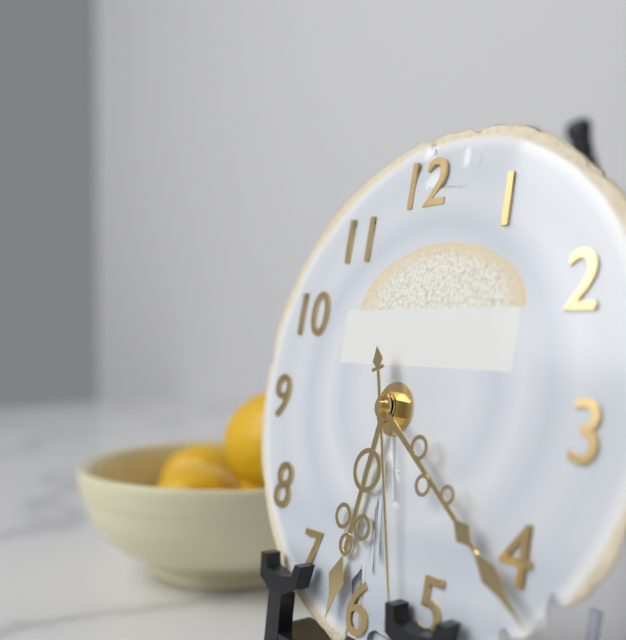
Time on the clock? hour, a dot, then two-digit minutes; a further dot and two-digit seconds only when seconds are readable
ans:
6.21
